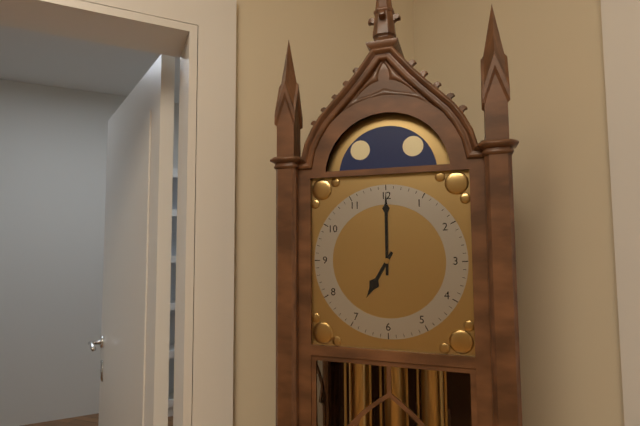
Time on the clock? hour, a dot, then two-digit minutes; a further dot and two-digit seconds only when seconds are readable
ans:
7.00
